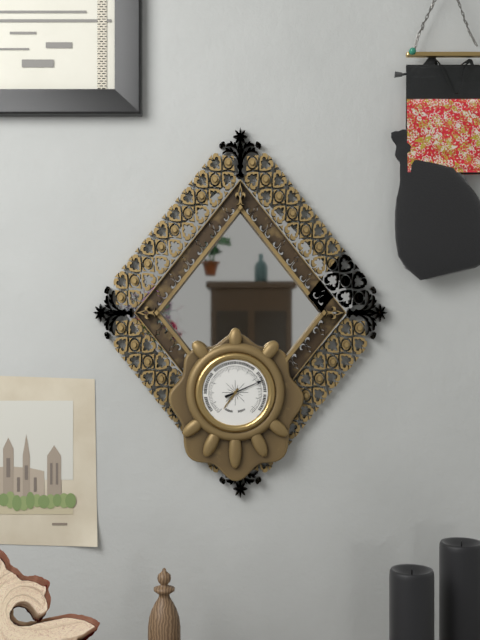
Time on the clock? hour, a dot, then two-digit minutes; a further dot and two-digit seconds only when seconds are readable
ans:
7.11
